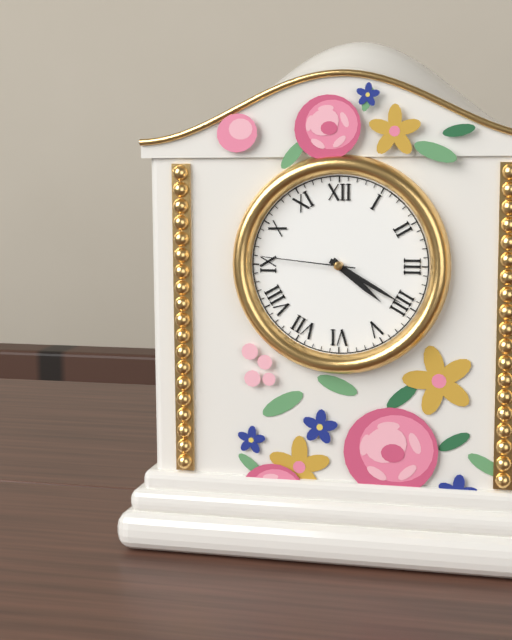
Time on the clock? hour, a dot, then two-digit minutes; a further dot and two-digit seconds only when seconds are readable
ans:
4.20.46
